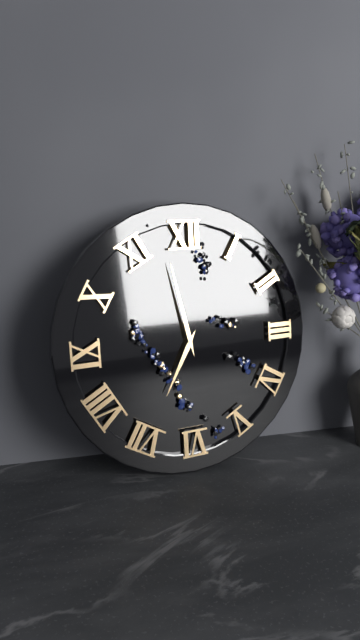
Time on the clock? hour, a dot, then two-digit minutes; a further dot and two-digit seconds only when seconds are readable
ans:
6.58
